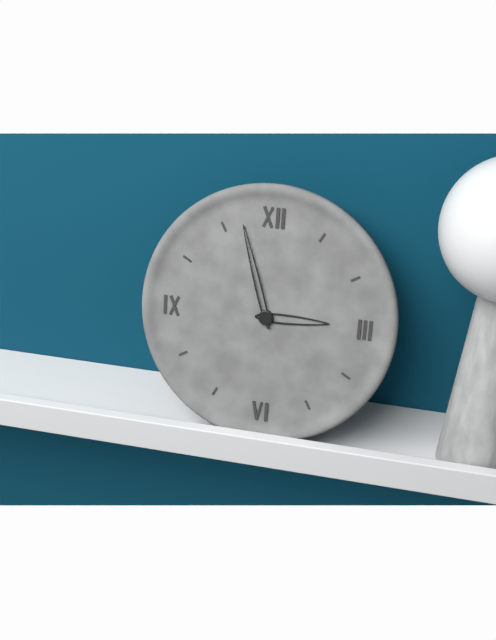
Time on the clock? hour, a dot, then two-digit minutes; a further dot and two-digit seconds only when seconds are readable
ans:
2.57
